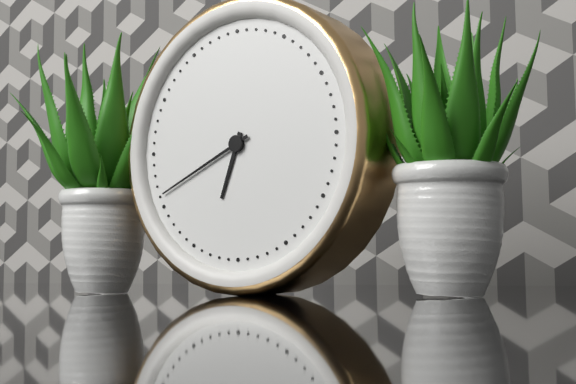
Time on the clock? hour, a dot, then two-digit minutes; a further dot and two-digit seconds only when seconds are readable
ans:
6.41
